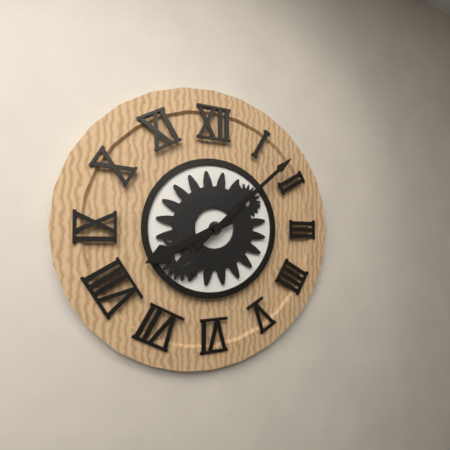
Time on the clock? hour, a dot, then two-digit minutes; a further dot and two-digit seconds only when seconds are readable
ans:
8.08
